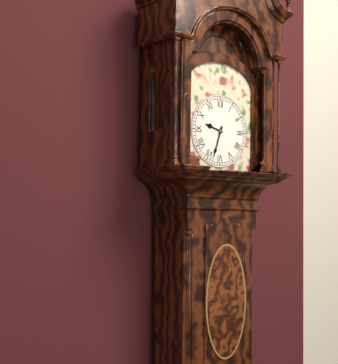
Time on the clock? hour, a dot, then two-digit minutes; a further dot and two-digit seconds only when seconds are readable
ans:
9.33
